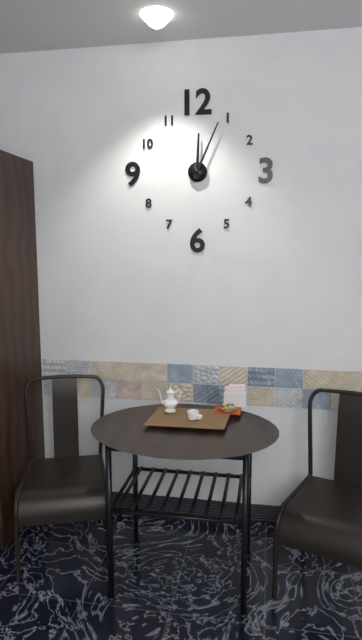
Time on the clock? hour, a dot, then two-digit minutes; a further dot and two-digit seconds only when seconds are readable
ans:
12.04
